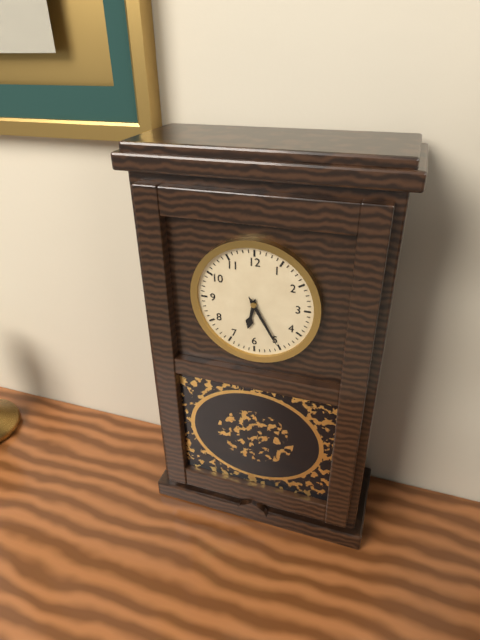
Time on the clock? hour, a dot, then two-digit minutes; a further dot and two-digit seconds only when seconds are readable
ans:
6.25
